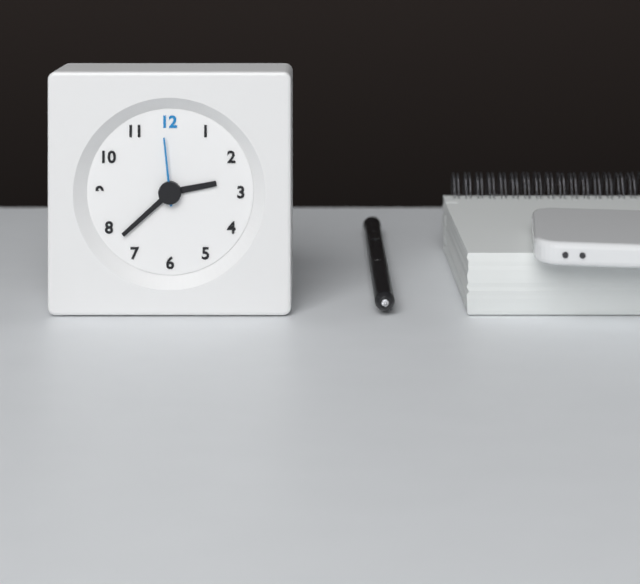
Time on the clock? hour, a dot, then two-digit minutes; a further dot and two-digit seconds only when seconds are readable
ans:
2.38.59
